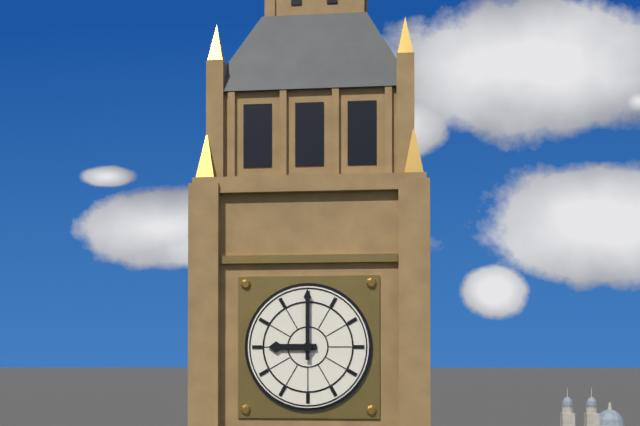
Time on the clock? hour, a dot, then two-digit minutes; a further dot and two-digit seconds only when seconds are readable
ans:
9.00
